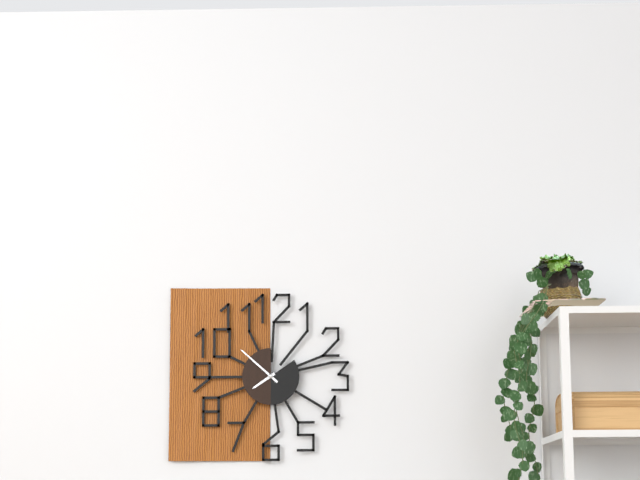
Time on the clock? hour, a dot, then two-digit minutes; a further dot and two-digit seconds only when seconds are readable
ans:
7.52
